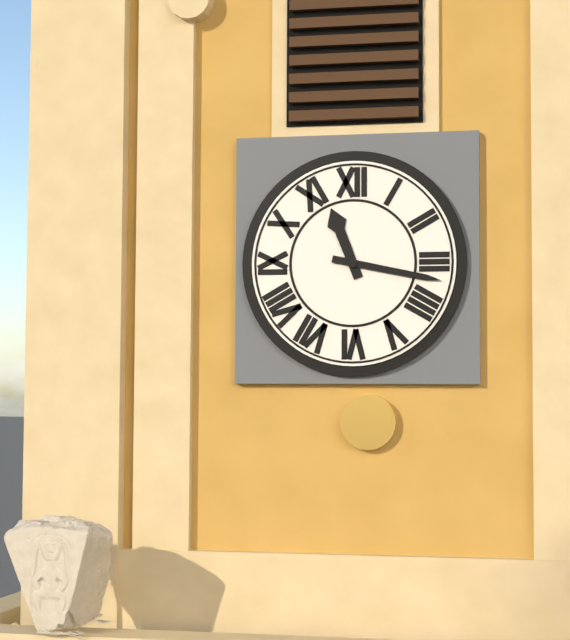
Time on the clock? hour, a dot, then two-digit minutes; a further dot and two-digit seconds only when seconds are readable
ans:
11.17
